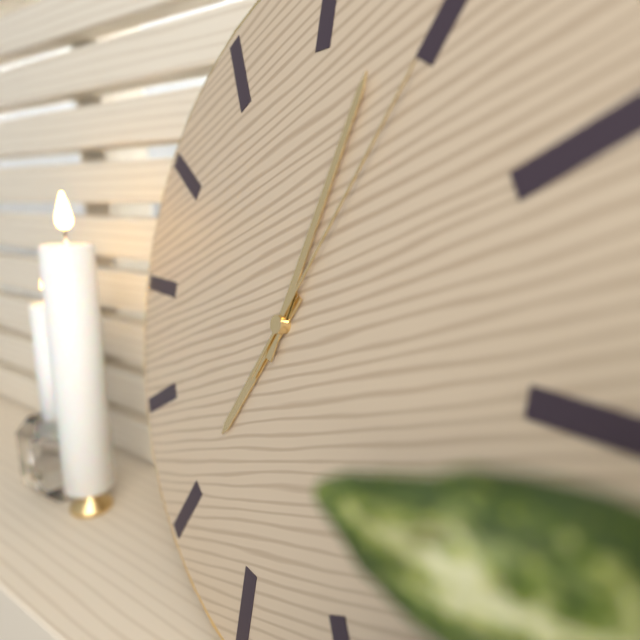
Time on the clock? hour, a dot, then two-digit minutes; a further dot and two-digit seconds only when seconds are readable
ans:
7.03.05
